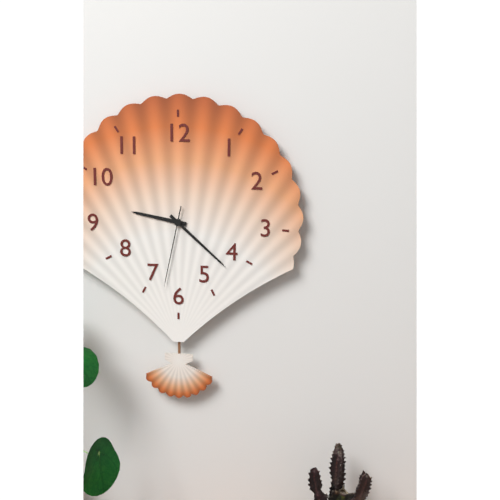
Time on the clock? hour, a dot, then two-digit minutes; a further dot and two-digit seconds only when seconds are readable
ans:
9.22.32
